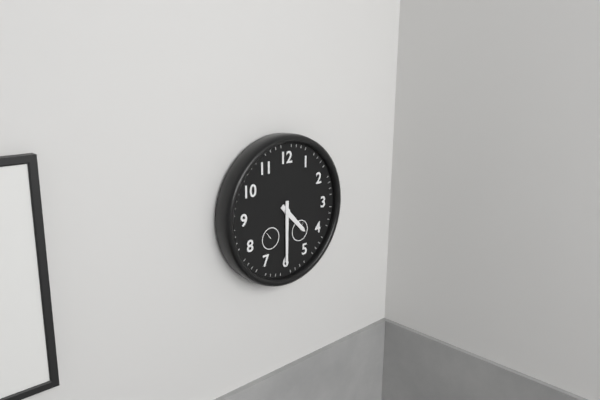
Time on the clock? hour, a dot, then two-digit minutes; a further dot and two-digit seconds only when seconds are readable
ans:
4.30
